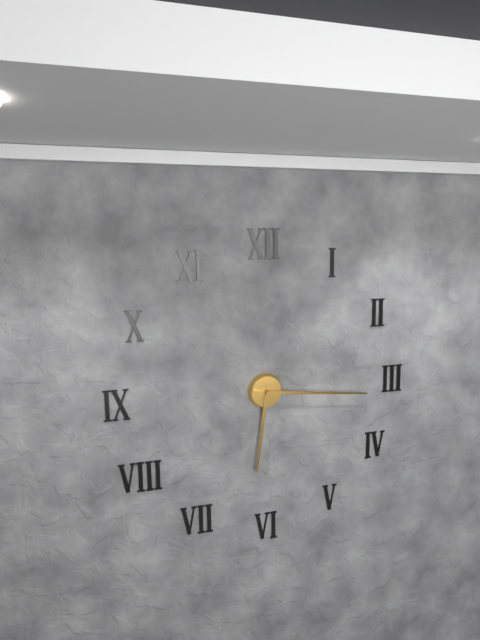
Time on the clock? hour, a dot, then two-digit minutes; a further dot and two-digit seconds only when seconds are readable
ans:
6.16
